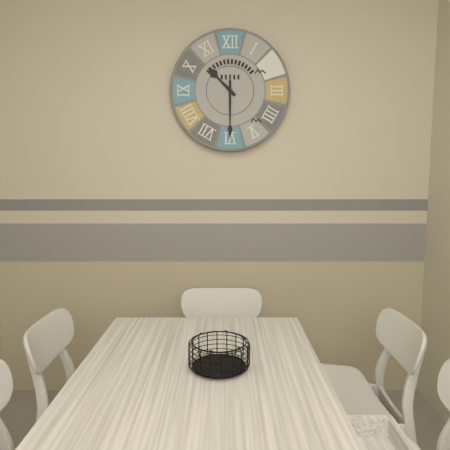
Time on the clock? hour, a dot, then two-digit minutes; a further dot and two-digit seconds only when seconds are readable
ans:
10.30
